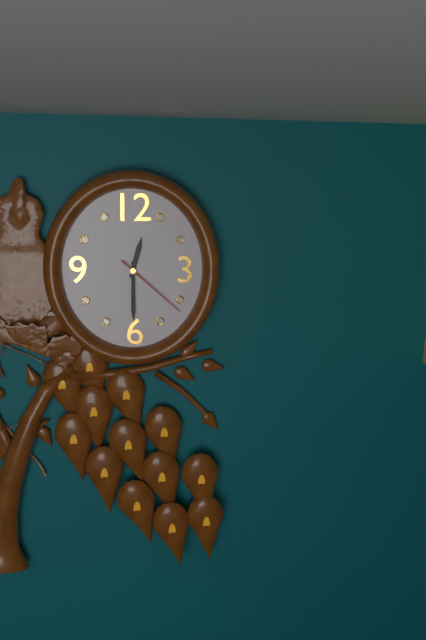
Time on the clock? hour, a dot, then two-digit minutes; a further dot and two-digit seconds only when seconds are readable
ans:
12.30.22
